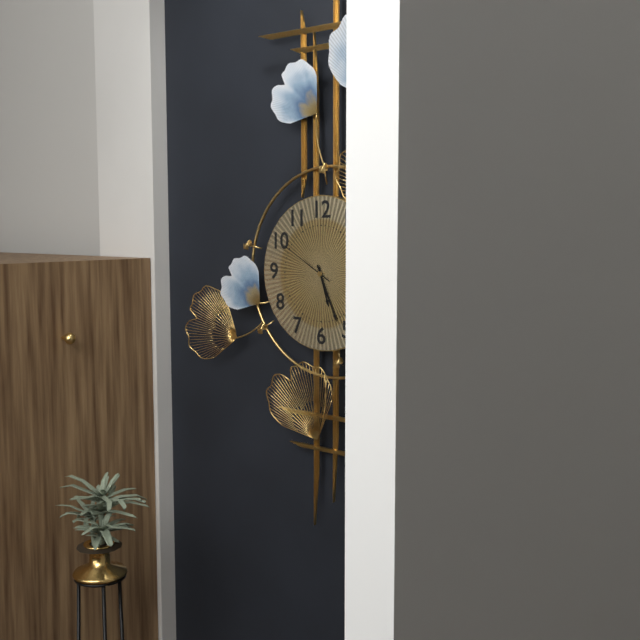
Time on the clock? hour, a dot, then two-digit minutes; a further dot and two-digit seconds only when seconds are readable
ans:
5.26.50
